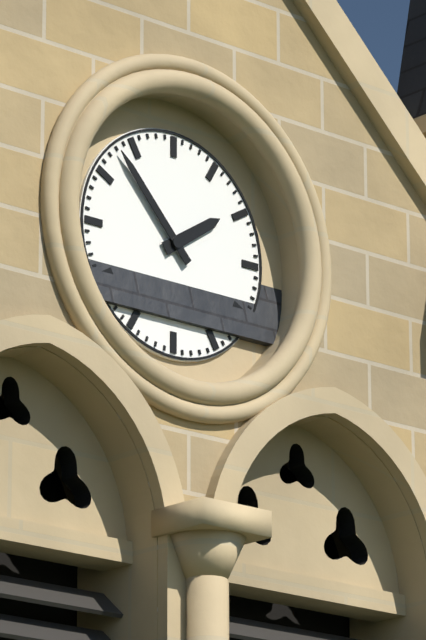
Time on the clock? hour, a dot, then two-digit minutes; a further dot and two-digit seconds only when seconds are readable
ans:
1.53
